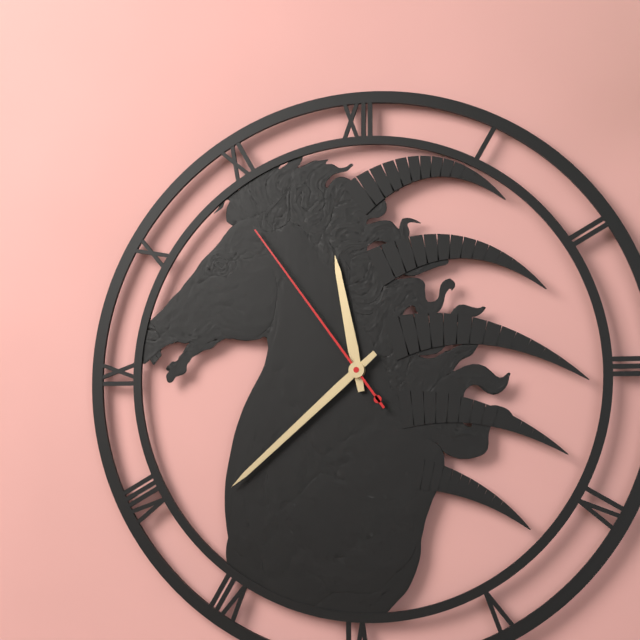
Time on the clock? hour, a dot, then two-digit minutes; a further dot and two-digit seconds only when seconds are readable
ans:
11.38.54
